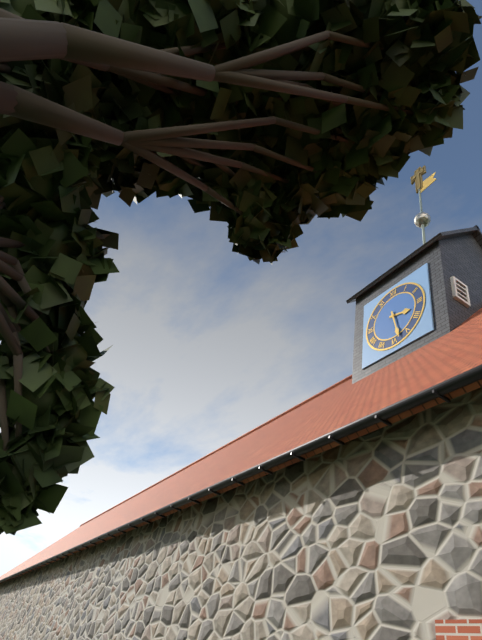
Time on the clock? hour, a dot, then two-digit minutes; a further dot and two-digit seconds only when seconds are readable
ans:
3.28
